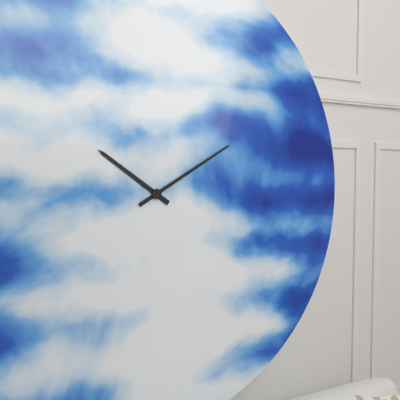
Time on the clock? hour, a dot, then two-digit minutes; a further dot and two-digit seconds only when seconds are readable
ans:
10.10
